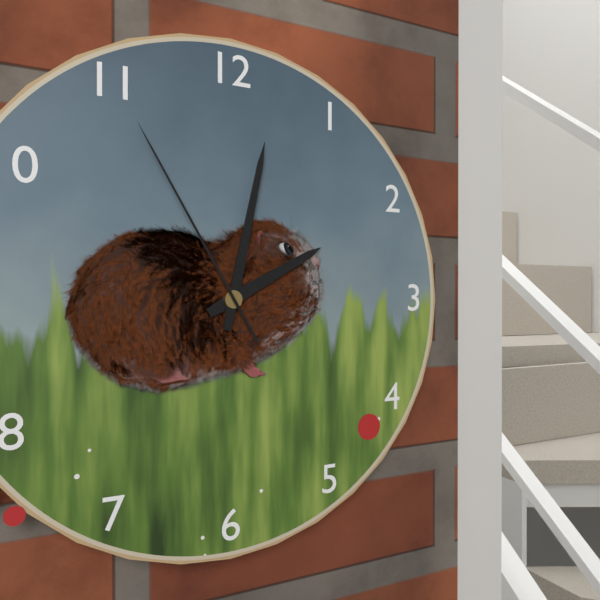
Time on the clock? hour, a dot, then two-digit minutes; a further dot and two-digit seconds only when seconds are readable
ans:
2.02.55
